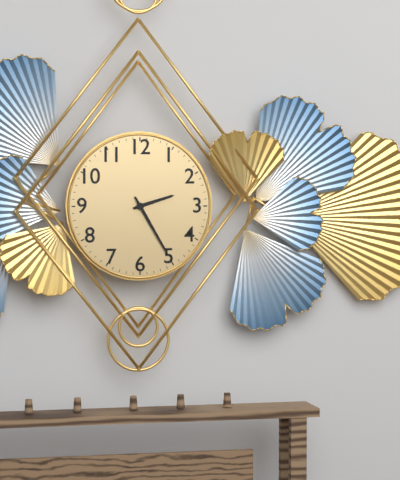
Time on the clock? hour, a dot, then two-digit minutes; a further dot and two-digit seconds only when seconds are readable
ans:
2.25
